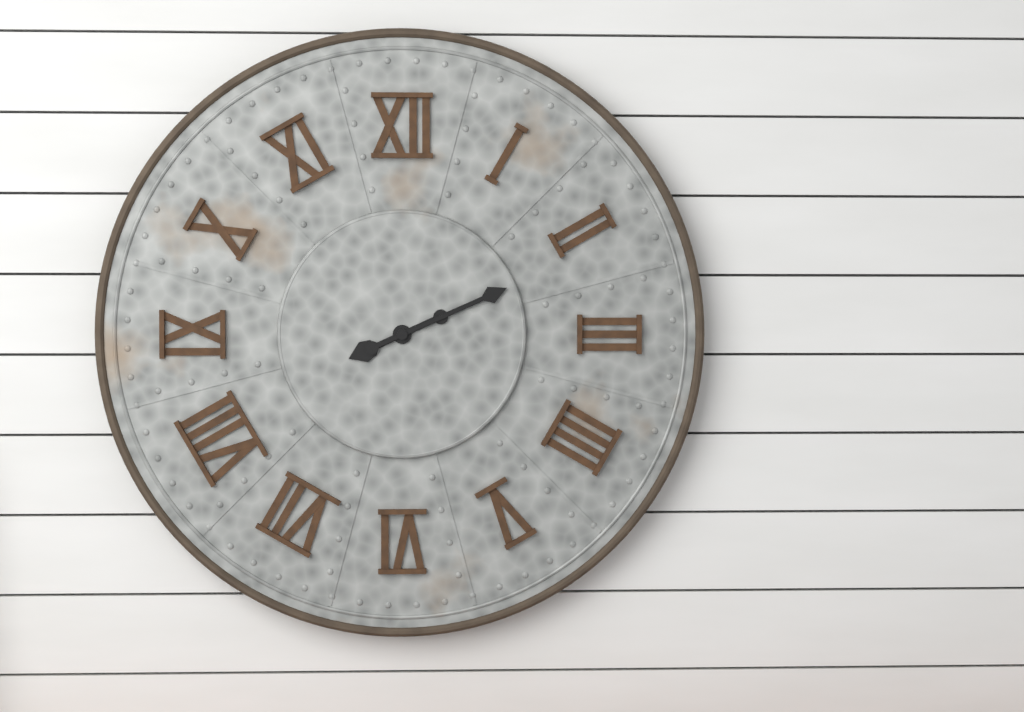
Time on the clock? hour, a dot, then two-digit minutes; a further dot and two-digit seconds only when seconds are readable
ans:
8.11
